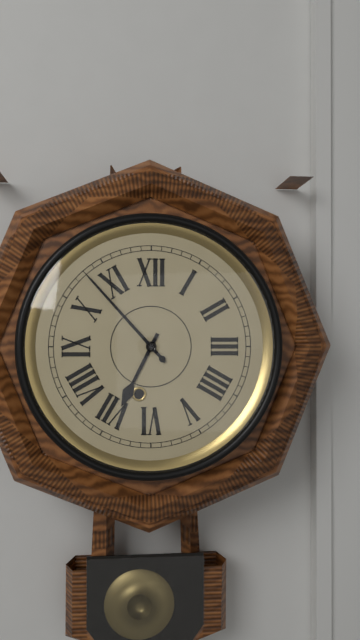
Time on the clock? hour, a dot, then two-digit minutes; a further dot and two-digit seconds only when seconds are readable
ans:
6.53
